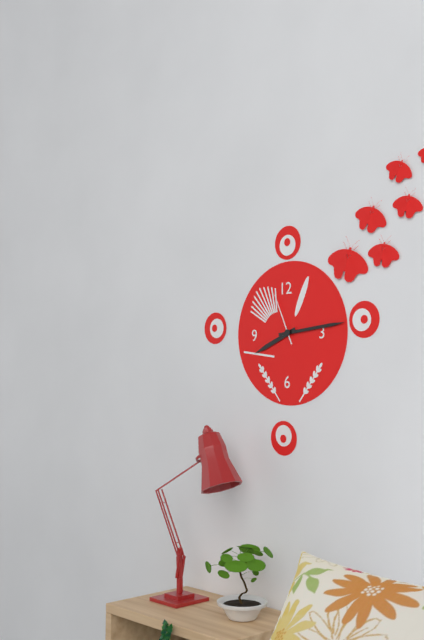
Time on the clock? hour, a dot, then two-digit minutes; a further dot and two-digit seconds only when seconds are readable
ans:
8.14.56
